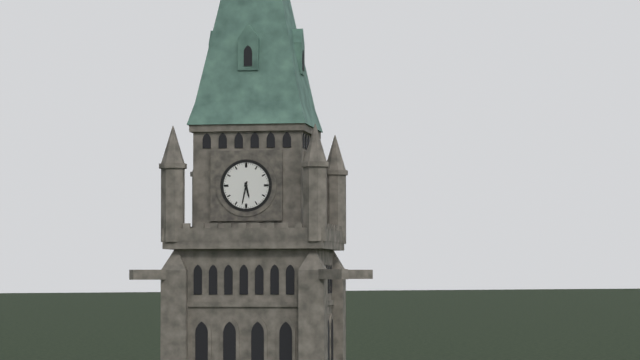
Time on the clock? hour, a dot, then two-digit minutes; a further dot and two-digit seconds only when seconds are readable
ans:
5.32
